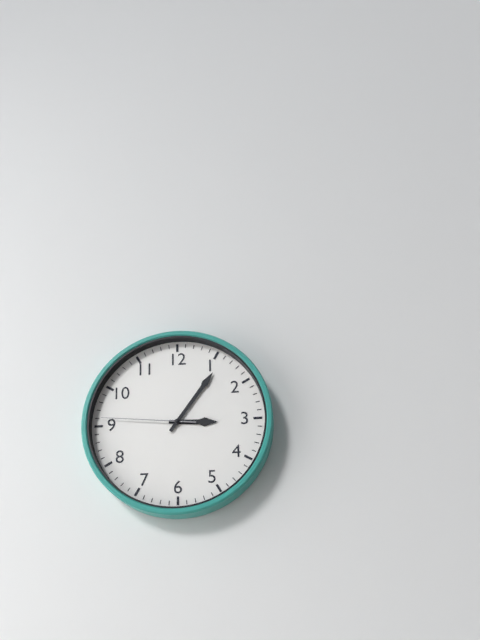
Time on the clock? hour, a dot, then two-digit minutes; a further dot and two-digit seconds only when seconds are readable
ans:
3.06.46
